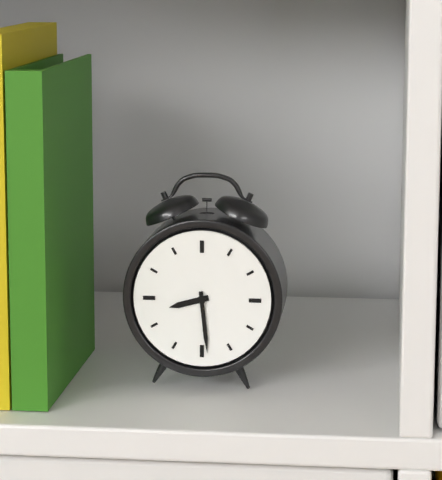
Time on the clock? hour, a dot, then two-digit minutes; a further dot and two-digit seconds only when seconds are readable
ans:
8.29
